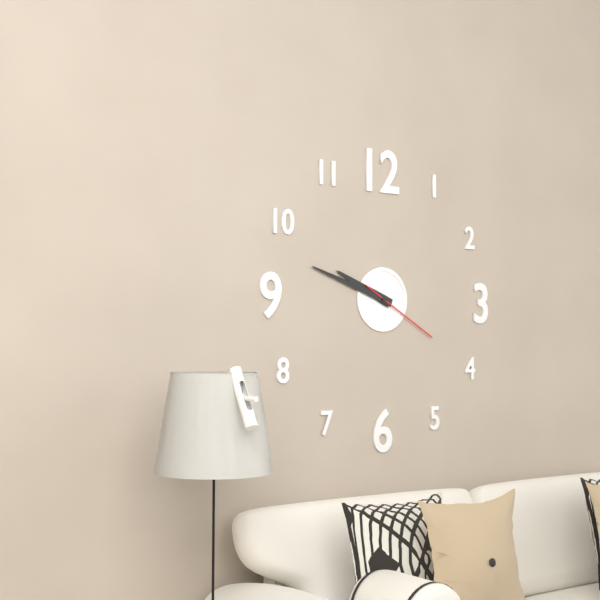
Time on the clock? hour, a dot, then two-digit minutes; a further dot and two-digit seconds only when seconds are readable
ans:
9.48.20
